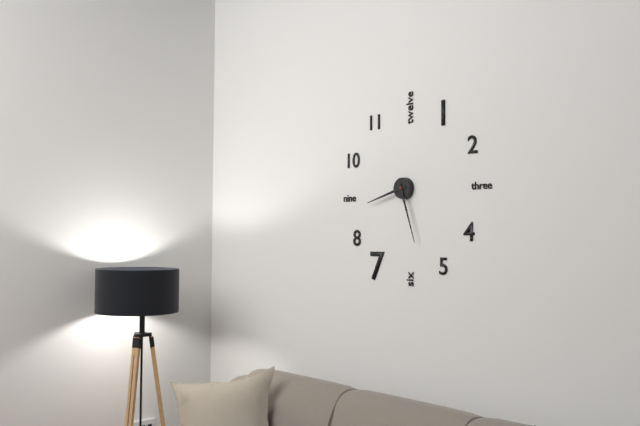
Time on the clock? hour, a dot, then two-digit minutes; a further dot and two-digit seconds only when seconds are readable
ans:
8.27
